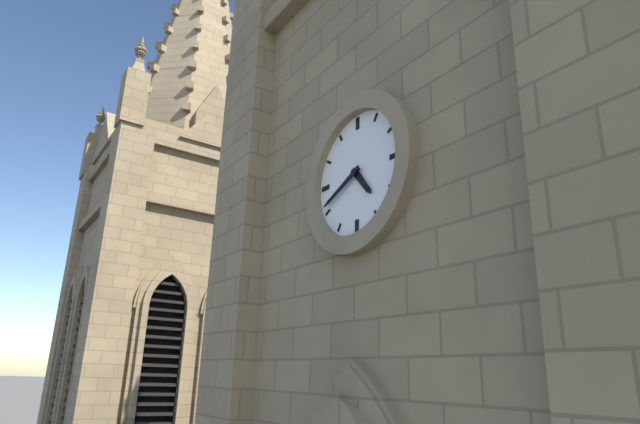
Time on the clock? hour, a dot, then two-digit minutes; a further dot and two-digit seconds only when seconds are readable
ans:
4.41
